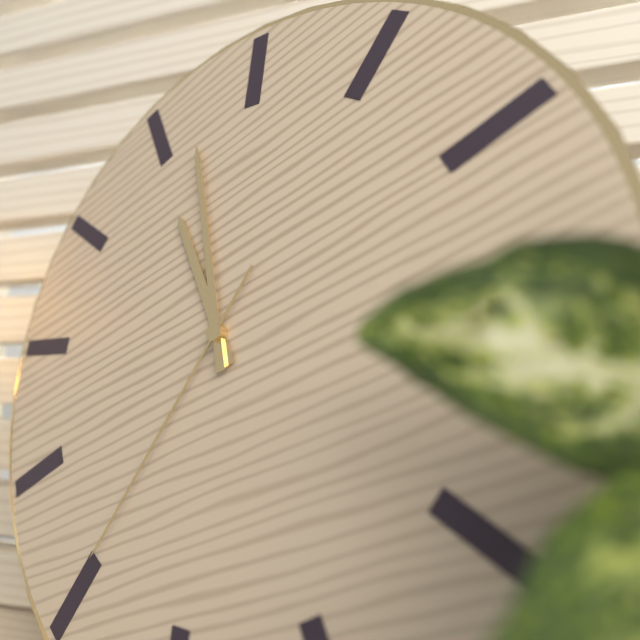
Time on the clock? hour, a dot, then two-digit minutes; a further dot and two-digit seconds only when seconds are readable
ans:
10.57.35
